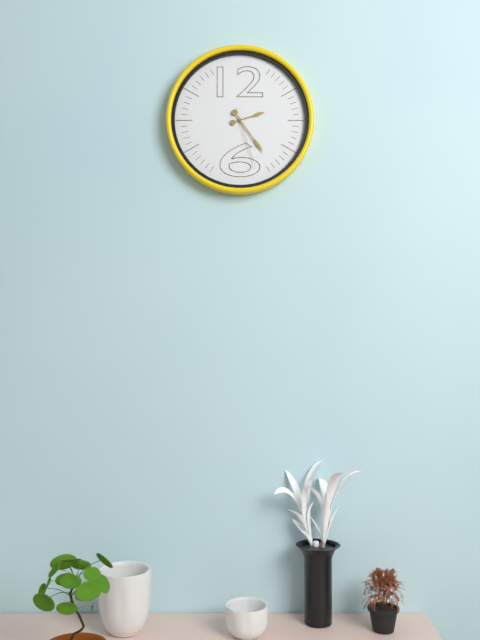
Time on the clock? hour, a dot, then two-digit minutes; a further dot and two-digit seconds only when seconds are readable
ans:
2.24.27
